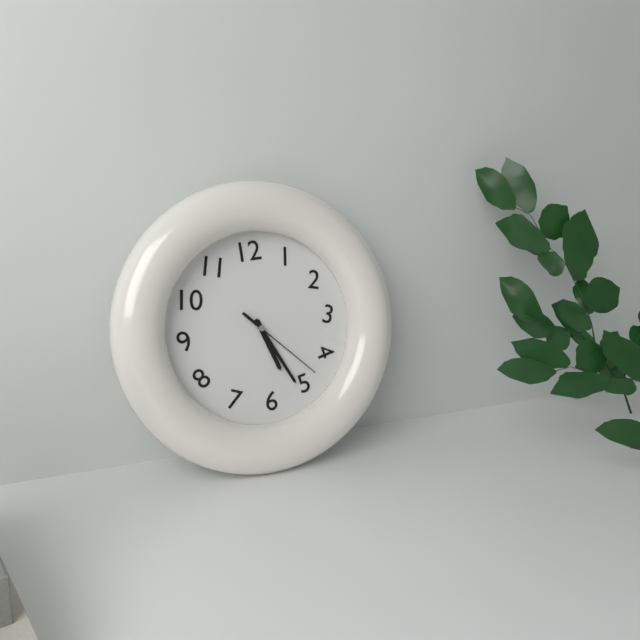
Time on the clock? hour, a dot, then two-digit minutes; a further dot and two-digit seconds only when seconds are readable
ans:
5.26.23
